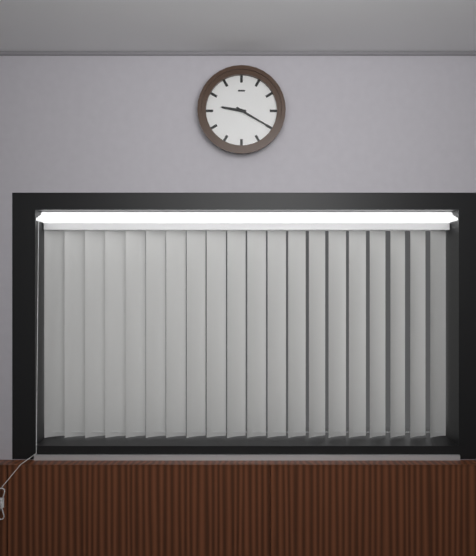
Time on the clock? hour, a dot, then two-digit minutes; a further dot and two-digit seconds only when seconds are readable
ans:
9.20
